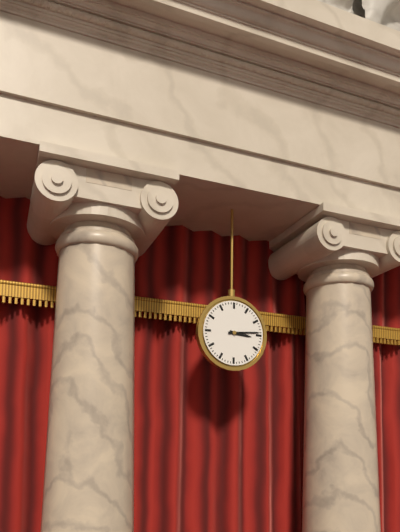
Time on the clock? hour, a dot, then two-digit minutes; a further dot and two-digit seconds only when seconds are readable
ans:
3.14
